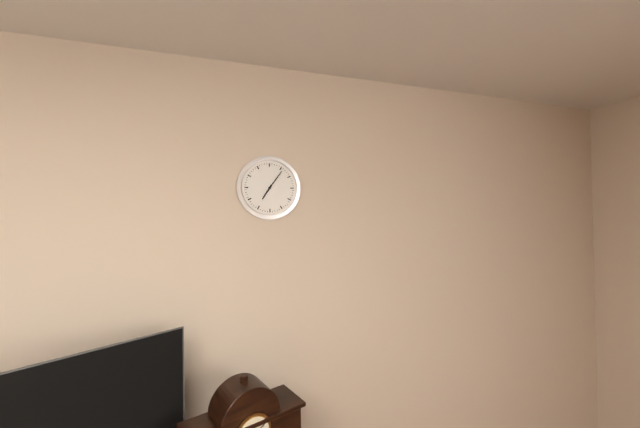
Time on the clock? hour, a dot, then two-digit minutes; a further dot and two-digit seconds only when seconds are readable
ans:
7.06
